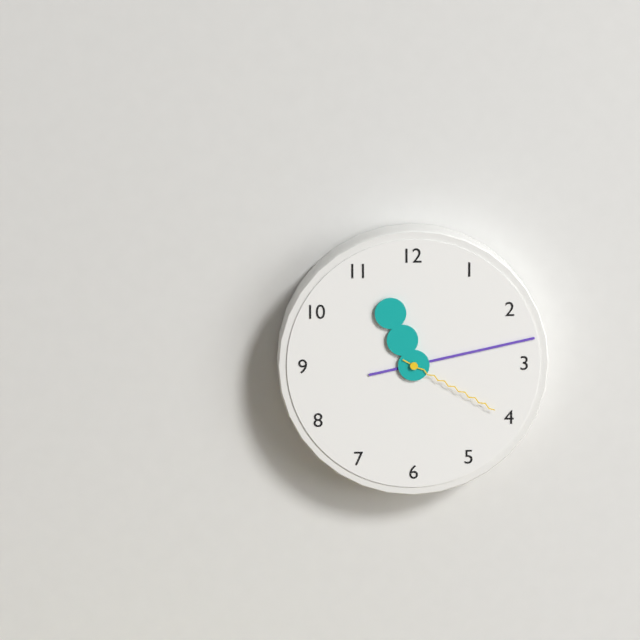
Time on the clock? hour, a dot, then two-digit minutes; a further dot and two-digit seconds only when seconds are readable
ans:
11.13.20
